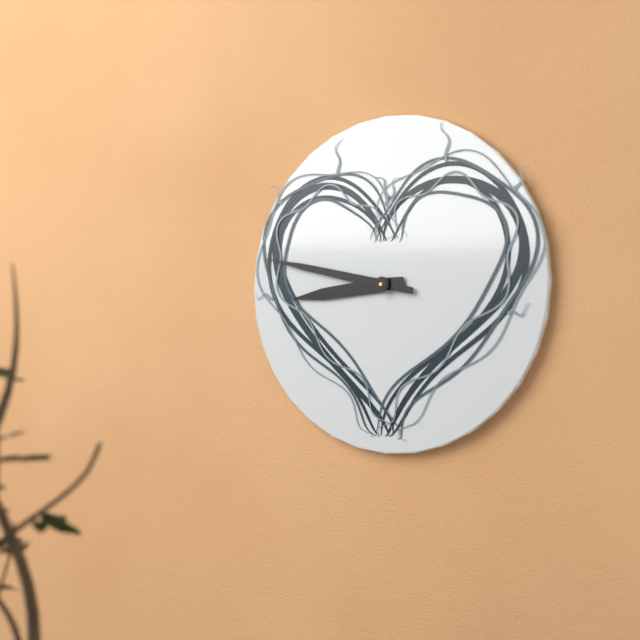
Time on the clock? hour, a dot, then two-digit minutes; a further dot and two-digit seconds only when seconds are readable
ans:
8.47
